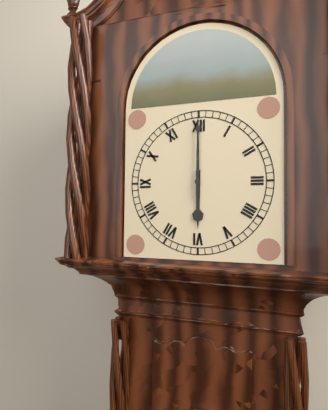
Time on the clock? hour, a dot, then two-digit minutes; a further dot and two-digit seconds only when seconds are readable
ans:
6.00
